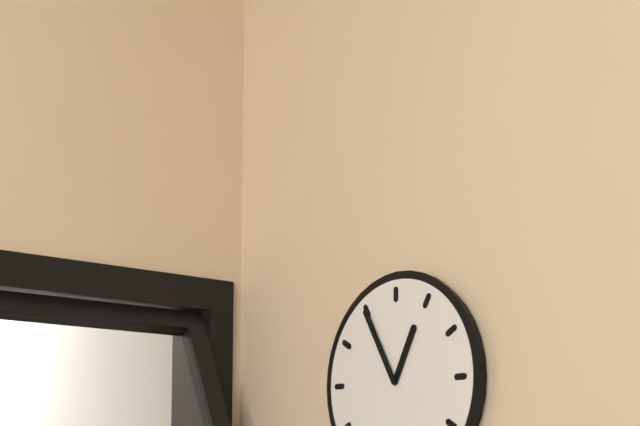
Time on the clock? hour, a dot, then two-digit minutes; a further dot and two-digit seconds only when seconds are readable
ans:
12.55
